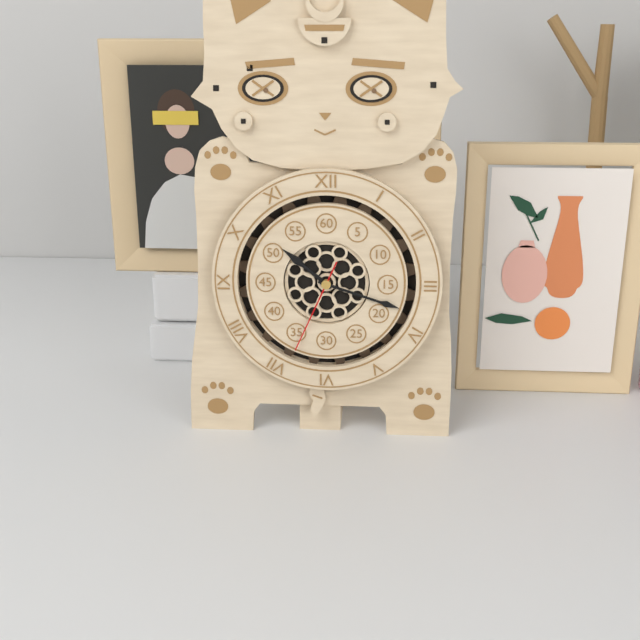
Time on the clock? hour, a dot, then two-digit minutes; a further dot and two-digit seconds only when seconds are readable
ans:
10.18.34
